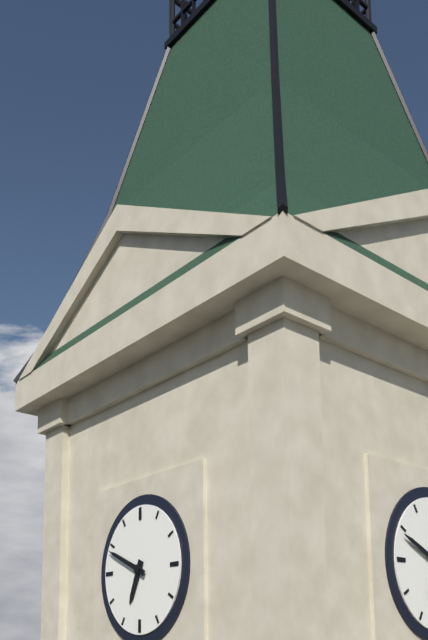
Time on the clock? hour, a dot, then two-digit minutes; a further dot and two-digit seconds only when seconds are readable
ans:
6.49
